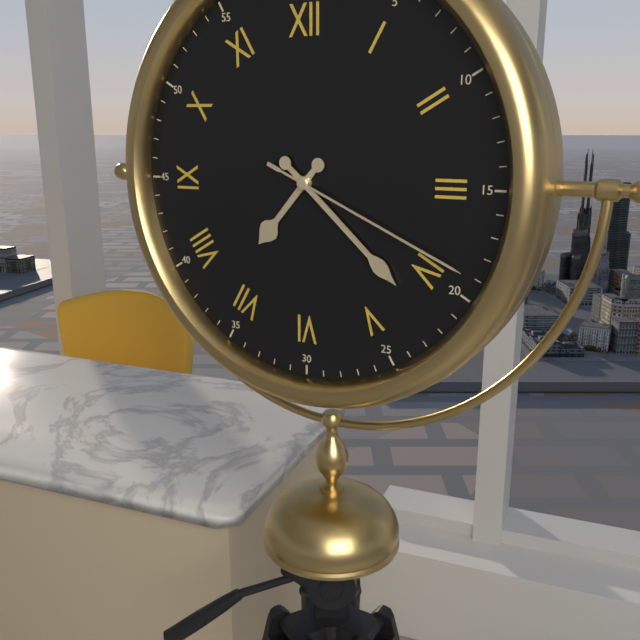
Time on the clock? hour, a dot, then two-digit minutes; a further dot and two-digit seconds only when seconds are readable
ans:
7.22.19
